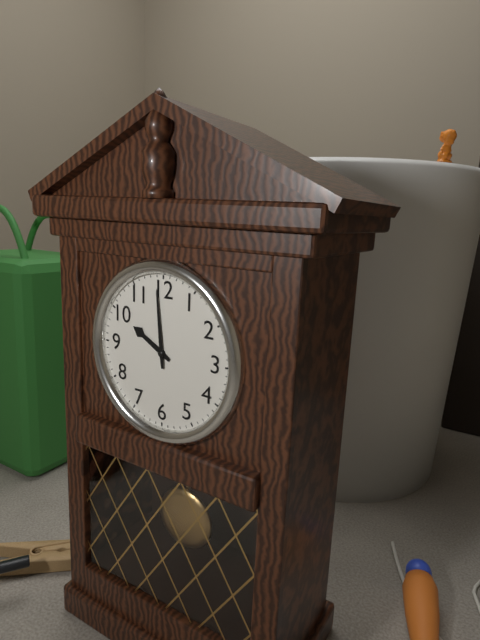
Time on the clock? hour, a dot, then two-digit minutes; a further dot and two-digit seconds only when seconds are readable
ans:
9.59
